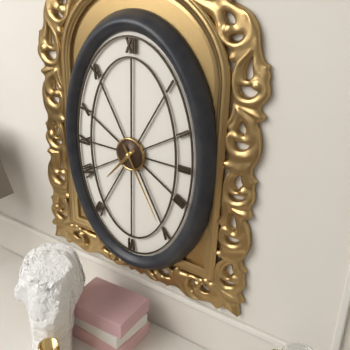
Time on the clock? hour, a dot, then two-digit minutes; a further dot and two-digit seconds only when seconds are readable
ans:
7.25
